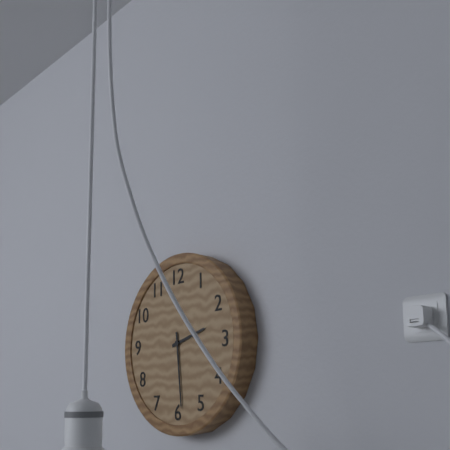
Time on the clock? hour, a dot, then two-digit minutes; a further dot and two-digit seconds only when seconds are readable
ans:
2.29
